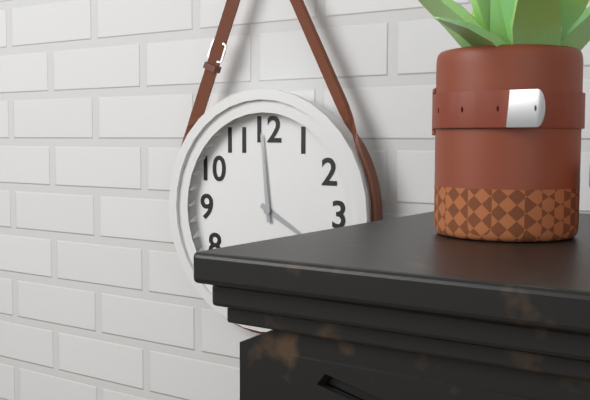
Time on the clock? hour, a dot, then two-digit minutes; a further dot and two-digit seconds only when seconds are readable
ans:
3.59
